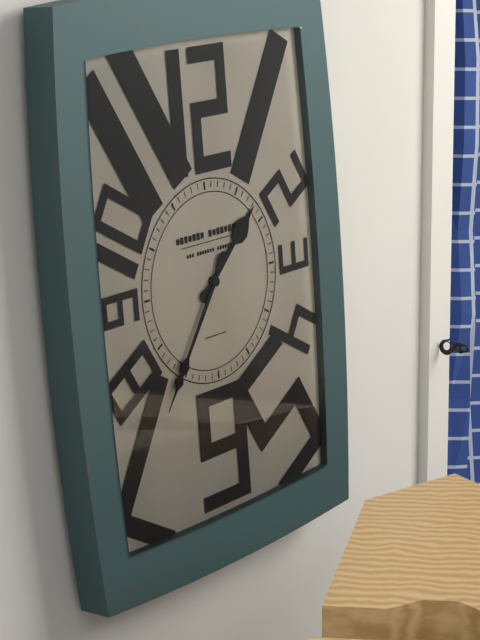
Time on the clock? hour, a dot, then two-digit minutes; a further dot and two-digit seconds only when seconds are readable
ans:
1.36
